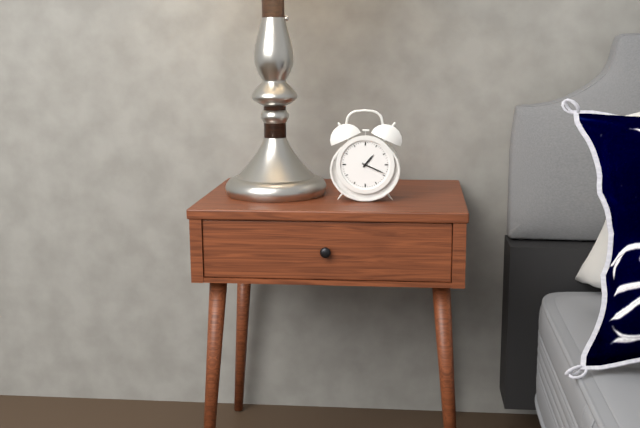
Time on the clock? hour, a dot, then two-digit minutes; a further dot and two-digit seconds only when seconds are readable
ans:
1.19
